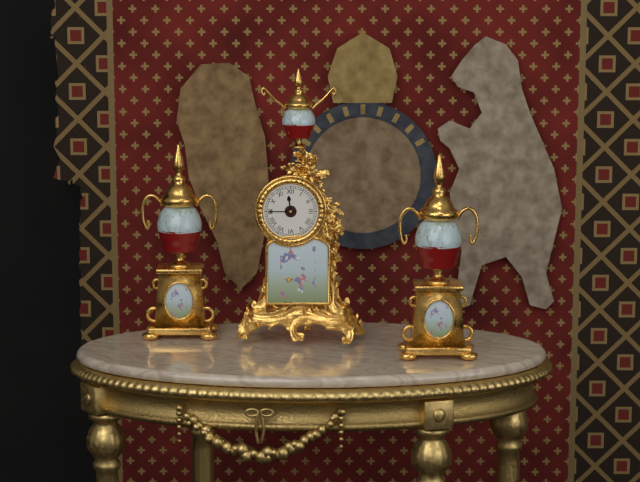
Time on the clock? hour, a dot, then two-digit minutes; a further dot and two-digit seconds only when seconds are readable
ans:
11.45
